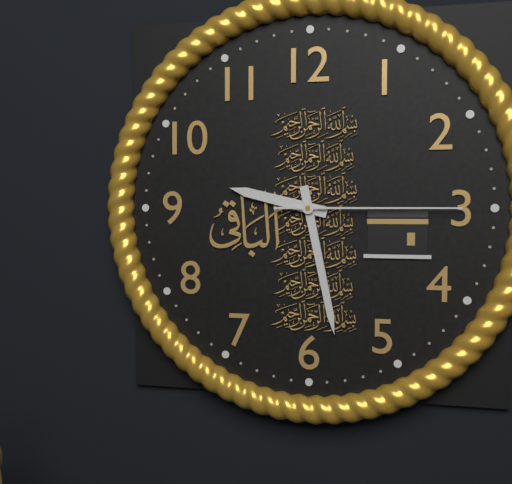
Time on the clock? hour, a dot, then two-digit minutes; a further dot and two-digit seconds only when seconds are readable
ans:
9.28.15
